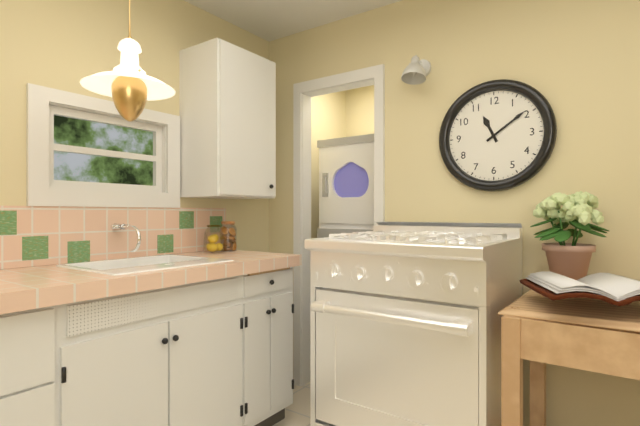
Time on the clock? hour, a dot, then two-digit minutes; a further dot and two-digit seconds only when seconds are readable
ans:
11.09
